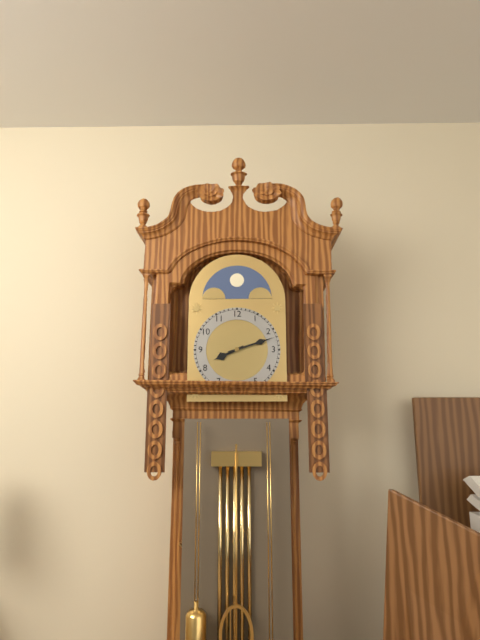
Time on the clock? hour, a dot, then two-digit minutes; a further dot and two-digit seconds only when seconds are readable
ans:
8.12
